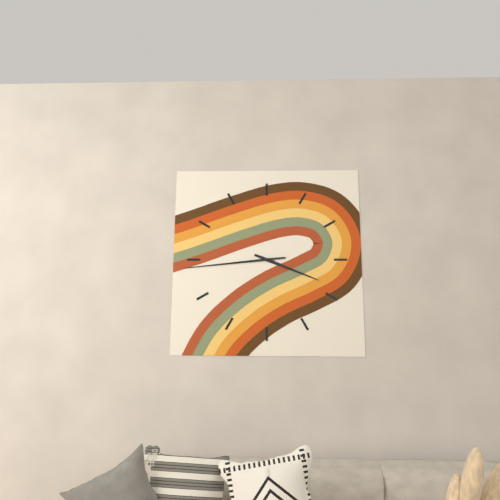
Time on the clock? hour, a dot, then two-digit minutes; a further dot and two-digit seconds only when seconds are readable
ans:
3.44
